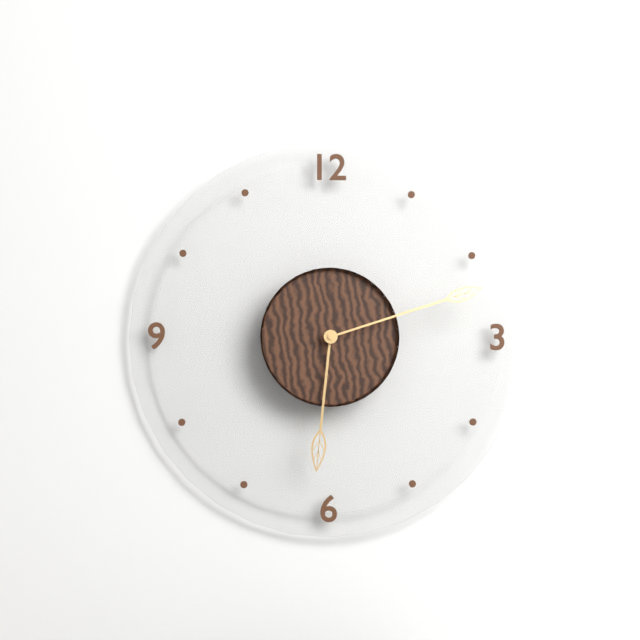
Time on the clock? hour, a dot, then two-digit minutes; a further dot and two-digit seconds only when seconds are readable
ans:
6.12
